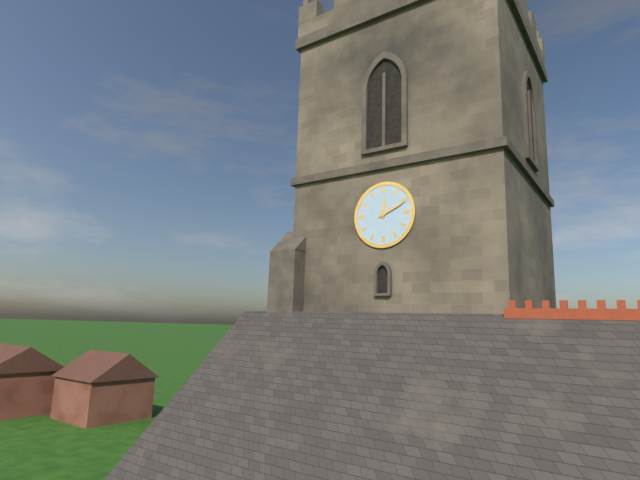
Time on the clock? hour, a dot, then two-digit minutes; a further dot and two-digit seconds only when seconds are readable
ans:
12.11
